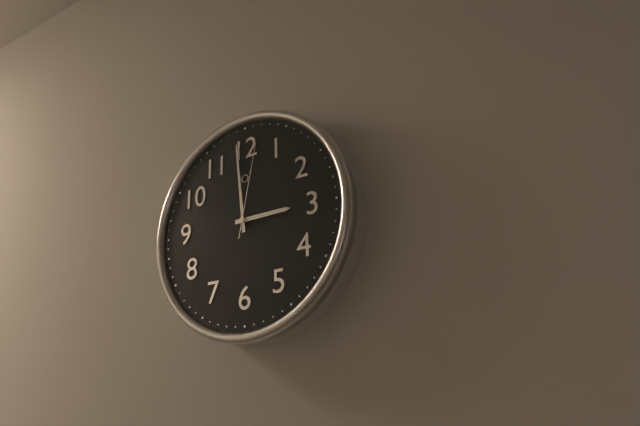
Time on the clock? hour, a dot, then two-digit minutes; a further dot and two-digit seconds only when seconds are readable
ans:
2.59.02
